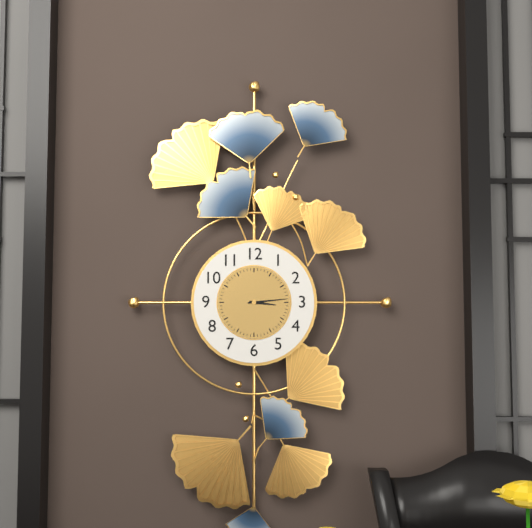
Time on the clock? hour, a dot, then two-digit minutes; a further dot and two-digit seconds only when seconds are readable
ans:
3.14
